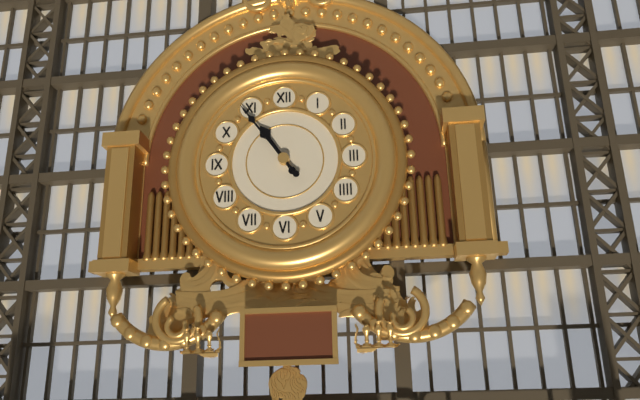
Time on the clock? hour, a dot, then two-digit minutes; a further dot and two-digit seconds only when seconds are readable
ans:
10.54
